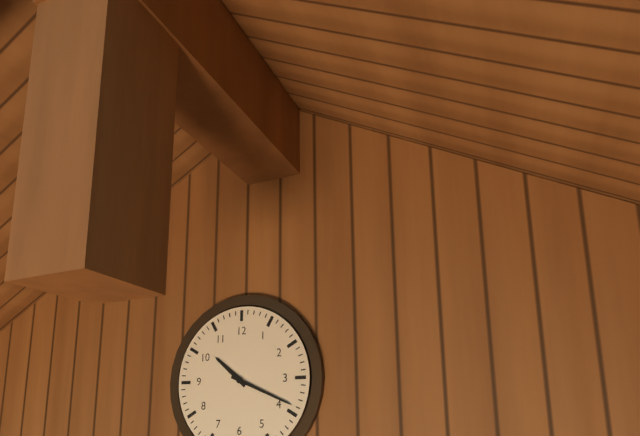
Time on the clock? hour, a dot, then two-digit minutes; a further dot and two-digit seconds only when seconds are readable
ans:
10.19
